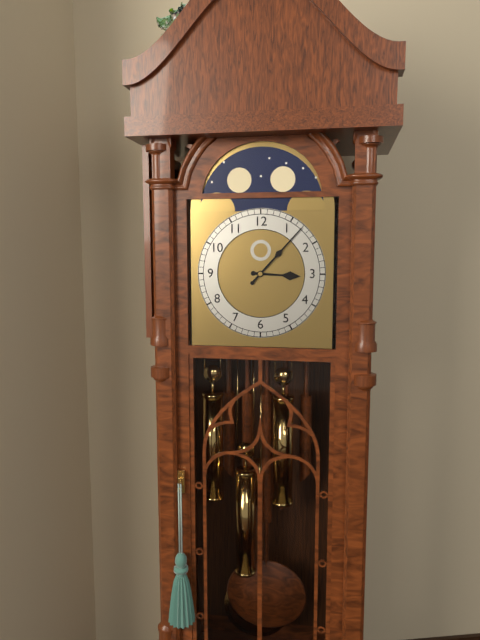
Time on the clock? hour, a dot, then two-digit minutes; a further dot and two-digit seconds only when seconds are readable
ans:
3.07
